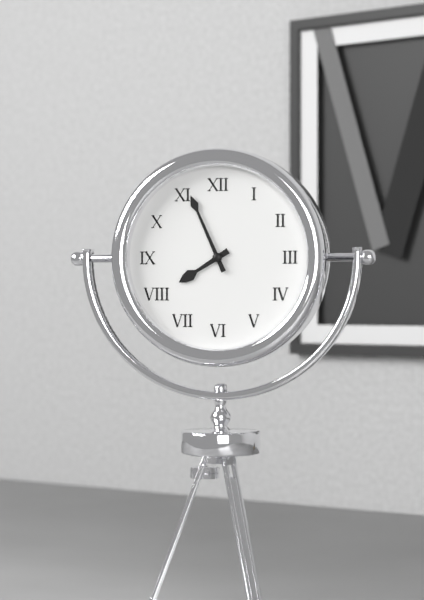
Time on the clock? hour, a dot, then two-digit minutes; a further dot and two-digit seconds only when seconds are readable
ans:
7.56
